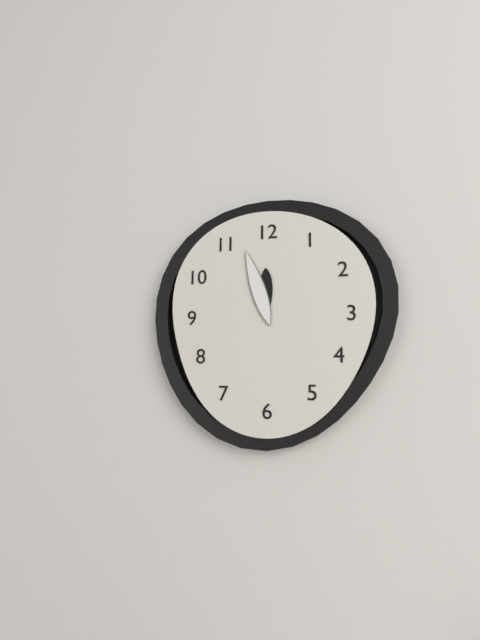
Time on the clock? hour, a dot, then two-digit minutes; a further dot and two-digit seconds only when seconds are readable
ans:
11.57
